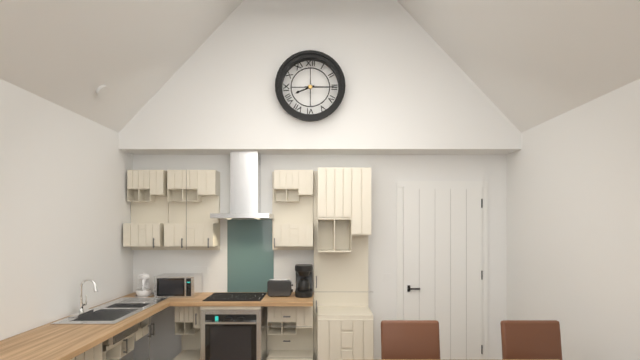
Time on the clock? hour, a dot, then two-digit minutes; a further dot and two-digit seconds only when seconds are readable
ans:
8.15
